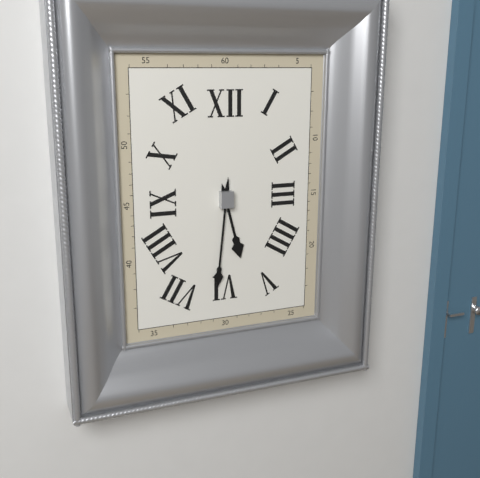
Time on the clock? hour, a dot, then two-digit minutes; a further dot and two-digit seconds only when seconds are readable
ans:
5.31
